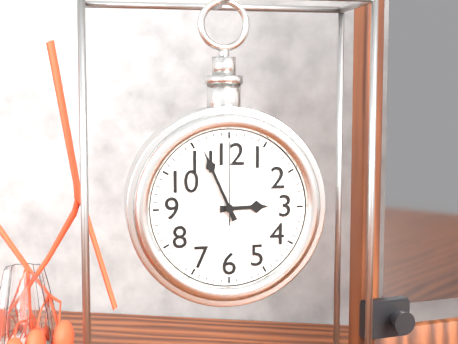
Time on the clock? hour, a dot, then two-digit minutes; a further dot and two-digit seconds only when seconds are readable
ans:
2.56.00
